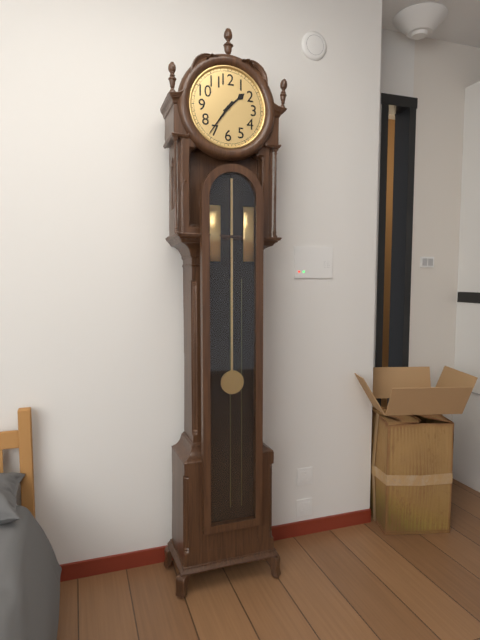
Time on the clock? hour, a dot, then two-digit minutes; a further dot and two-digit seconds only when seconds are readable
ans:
1.36
